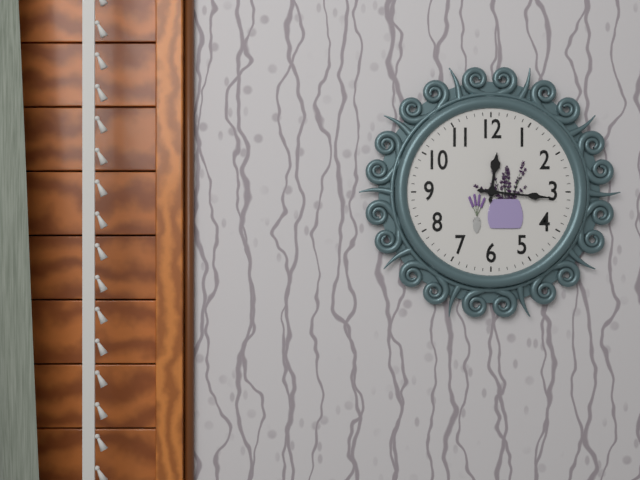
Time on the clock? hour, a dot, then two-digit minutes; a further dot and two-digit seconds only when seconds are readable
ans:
12.16
